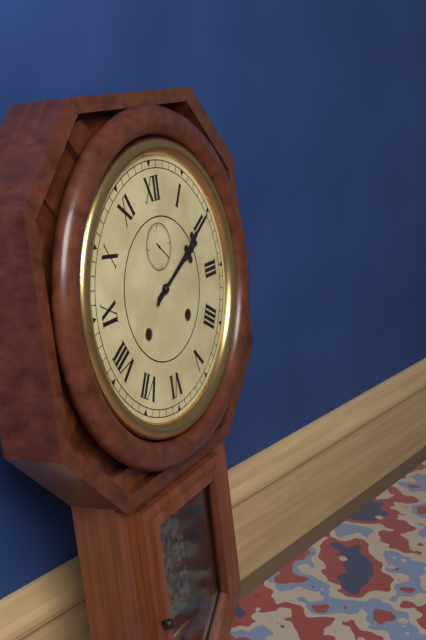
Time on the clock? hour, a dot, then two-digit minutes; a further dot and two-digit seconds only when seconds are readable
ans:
2.10
